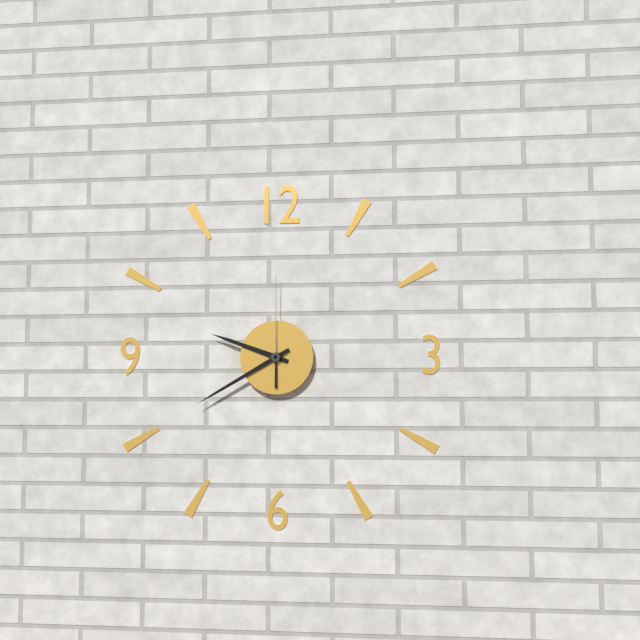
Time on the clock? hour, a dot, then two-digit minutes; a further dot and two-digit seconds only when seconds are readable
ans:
9.40.00
